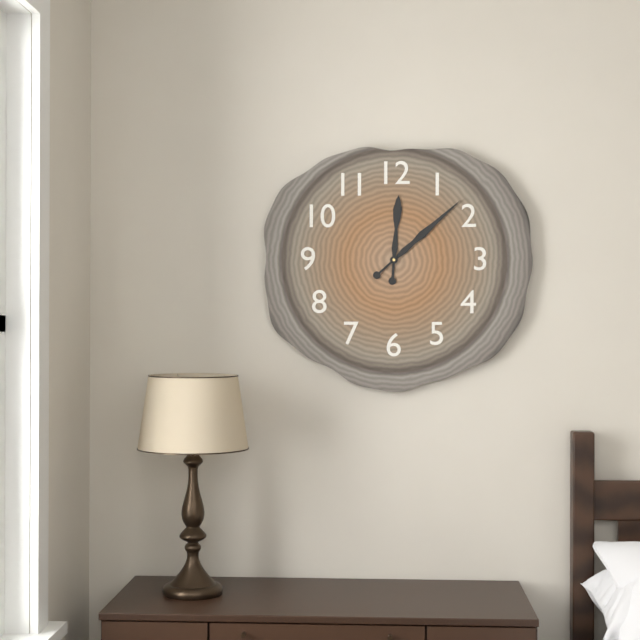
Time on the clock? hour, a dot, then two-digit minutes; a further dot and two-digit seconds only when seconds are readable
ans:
12.08
